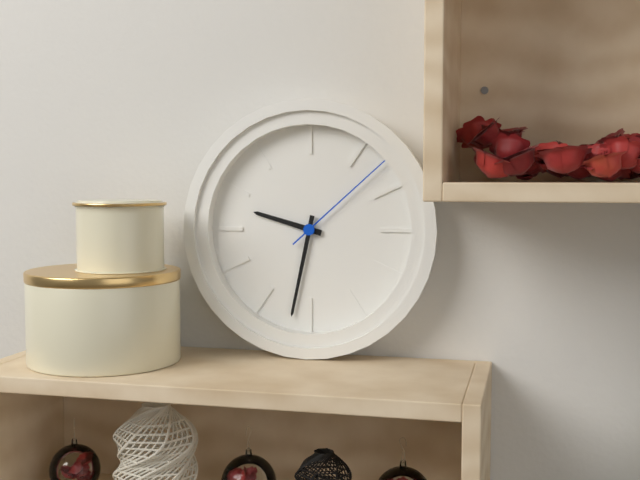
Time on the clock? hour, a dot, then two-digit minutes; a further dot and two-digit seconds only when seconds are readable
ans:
9.32.08
